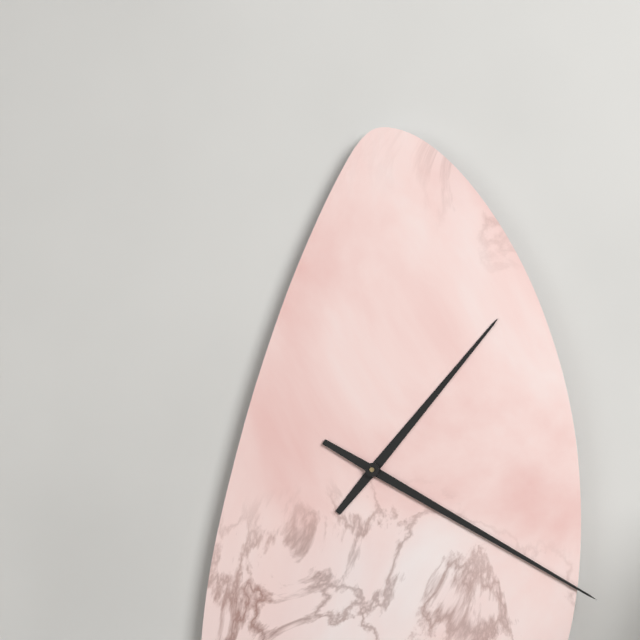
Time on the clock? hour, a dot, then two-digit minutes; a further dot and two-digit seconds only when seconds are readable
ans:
1.20
